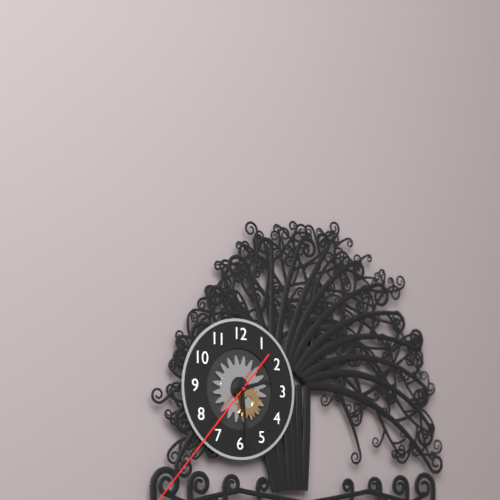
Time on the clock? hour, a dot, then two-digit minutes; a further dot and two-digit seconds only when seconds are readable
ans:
2.29
